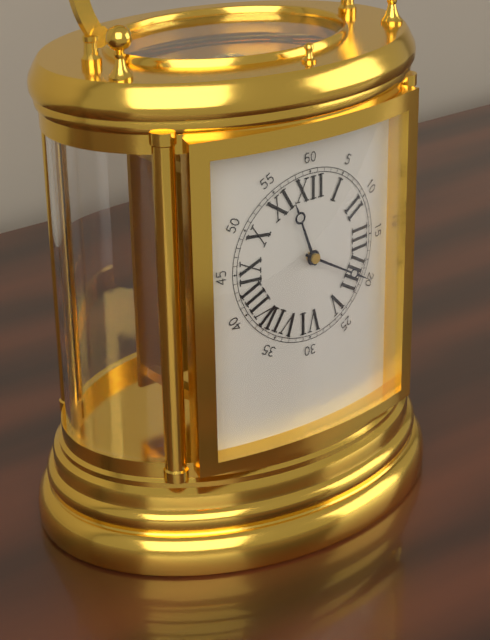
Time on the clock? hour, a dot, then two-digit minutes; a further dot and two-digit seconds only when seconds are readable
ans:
11.20
